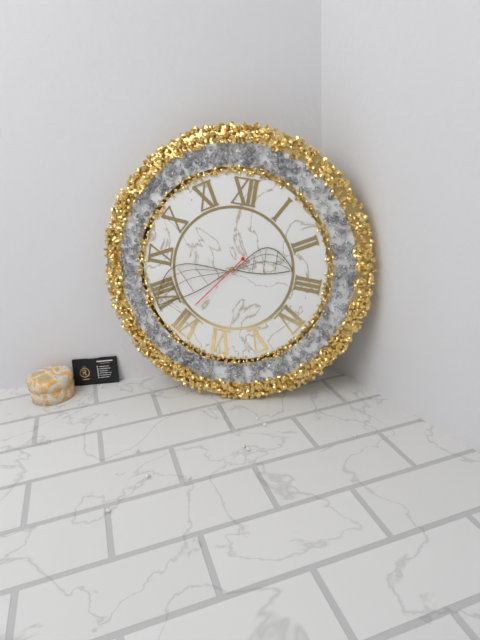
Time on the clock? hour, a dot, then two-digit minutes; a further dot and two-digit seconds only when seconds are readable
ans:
2.39.36
